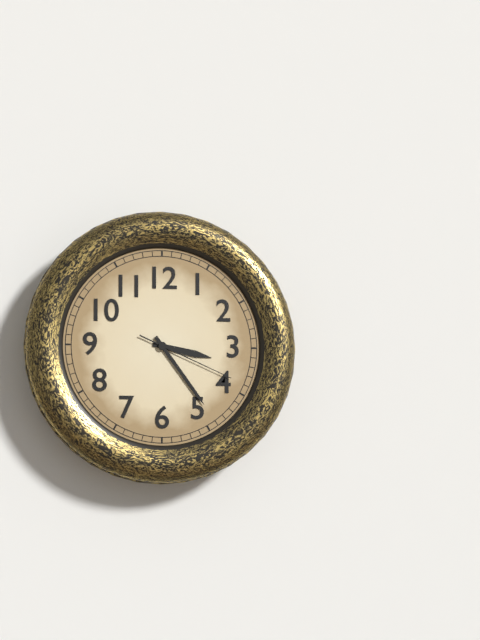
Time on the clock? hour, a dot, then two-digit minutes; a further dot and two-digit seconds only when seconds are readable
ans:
3.24.19
